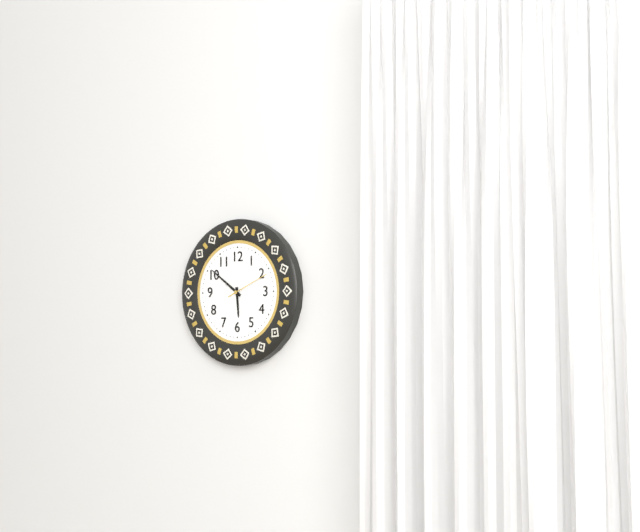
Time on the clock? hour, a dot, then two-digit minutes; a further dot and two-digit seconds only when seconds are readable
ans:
5.51
